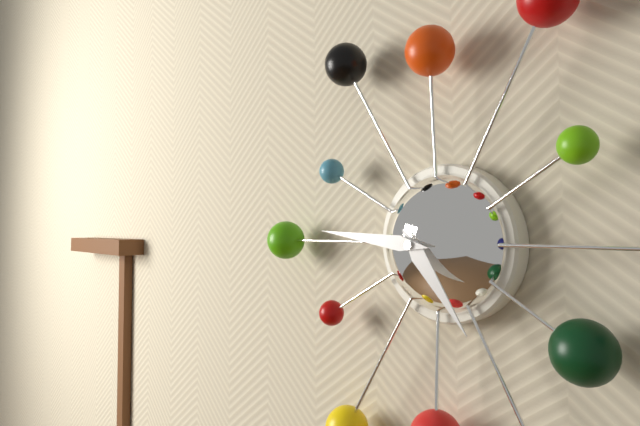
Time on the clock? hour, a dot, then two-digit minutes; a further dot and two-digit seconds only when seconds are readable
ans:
4.46
